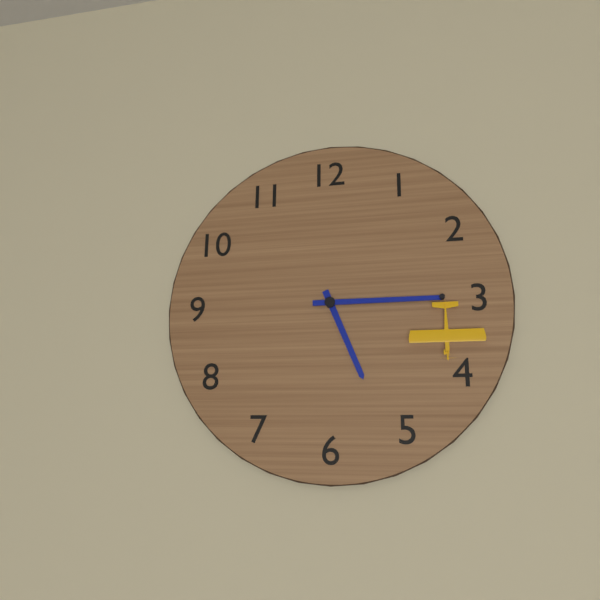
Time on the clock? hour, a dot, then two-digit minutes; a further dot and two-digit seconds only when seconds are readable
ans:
5.15
